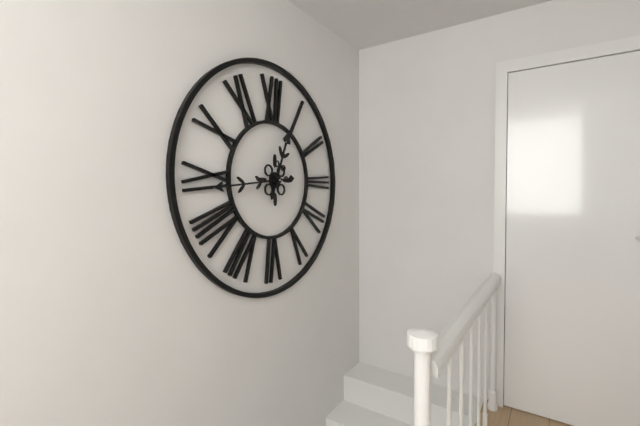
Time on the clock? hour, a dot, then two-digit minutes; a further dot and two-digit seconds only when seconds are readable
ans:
12.44
